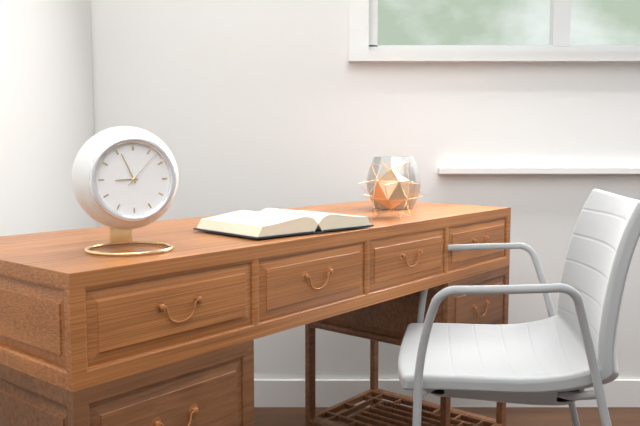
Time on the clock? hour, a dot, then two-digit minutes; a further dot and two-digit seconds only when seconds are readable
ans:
8.56
